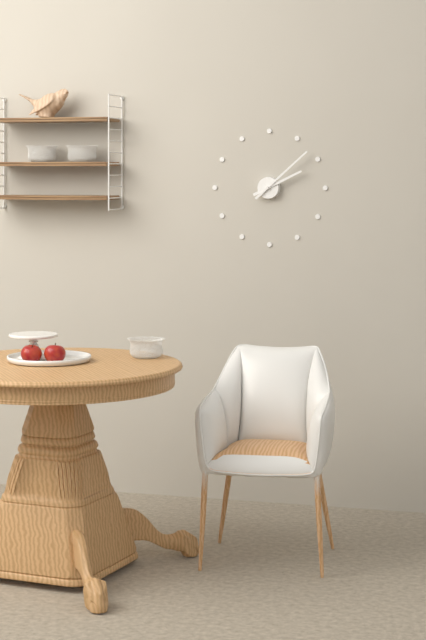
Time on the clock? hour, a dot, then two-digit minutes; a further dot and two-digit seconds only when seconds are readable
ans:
2.08
